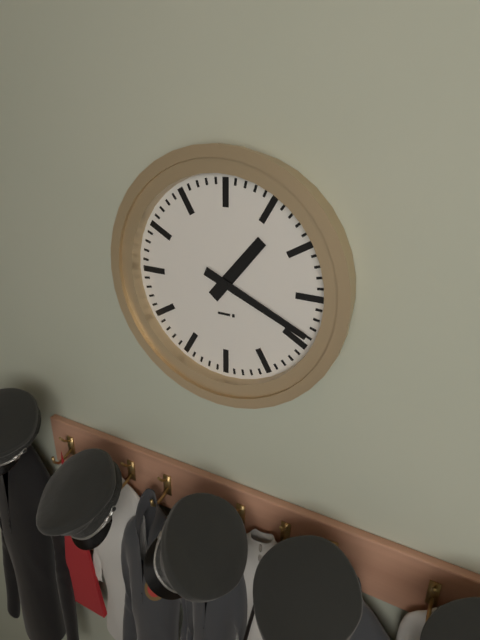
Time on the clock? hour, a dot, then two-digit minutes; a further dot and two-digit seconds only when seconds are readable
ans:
1.19
